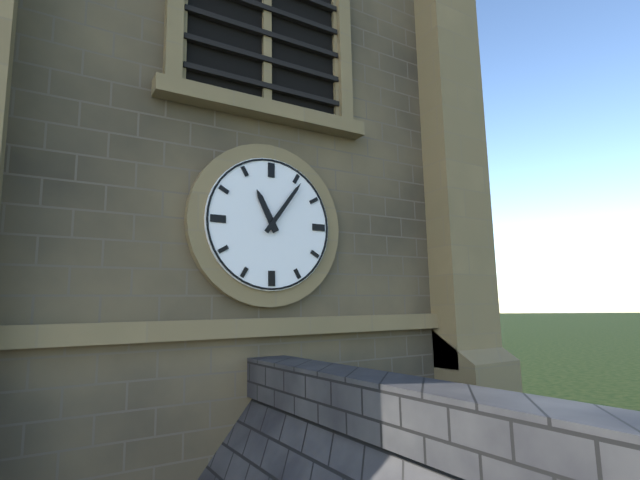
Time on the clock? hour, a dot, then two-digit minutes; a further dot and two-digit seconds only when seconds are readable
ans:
11.06
